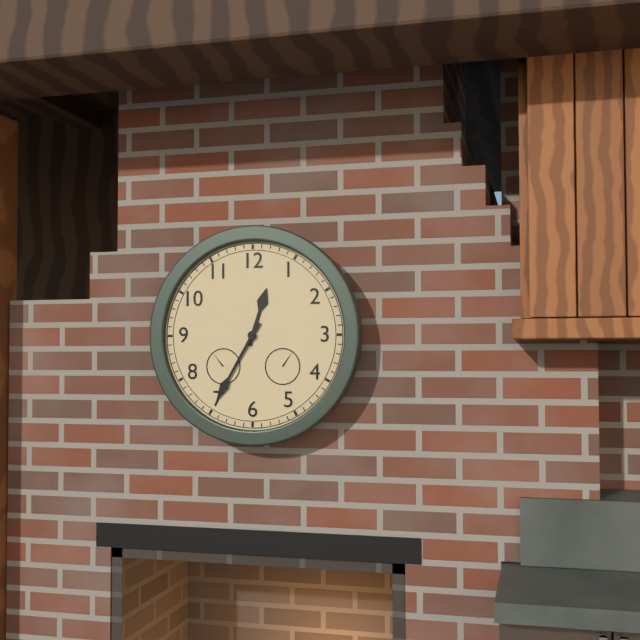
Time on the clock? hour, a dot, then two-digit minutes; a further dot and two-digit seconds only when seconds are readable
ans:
12.35
